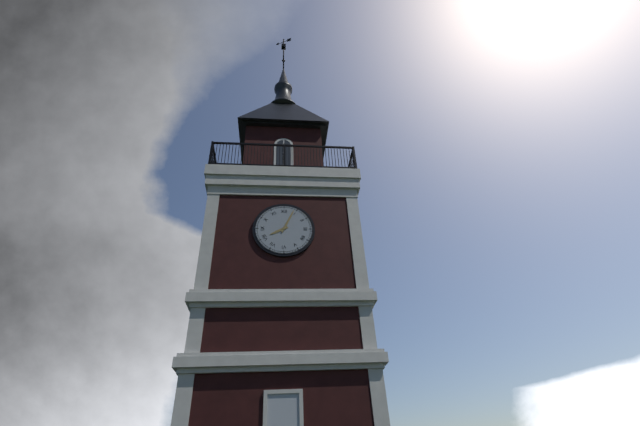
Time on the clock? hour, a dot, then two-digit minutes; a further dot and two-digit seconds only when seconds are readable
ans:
8.04
